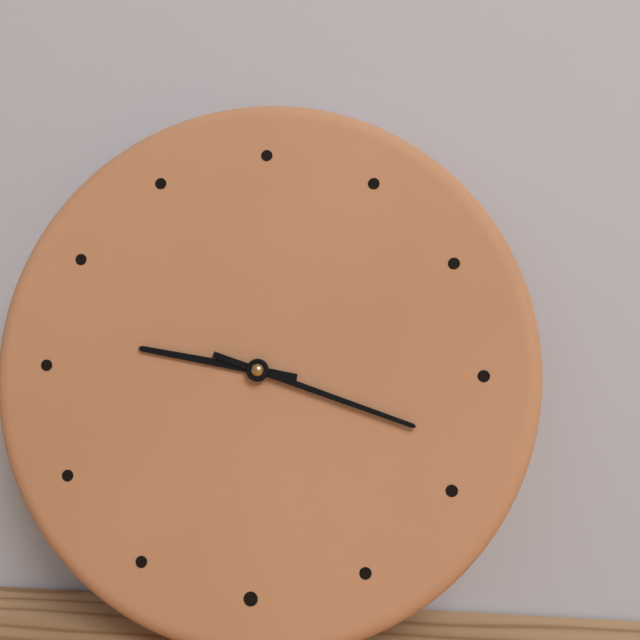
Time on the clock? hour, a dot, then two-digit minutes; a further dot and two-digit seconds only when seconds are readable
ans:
9.18
